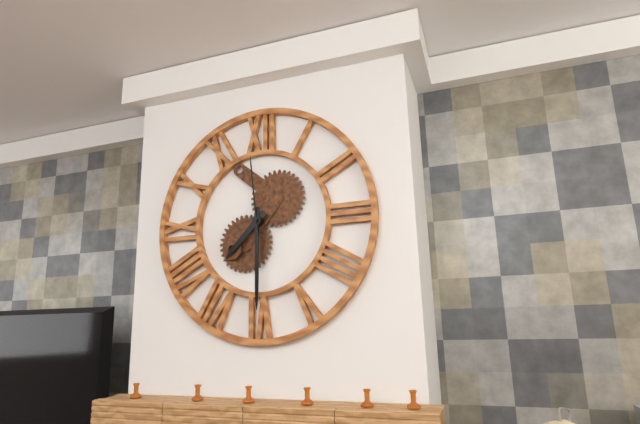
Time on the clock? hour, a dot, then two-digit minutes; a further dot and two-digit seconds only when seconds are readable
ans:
7.30.59
